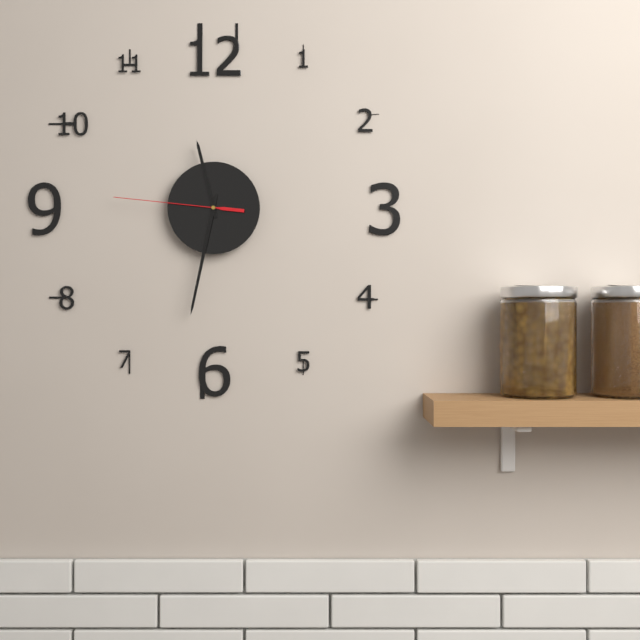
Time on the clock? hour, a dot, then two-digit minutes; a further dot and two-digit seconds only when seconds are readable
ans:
11.32.46
